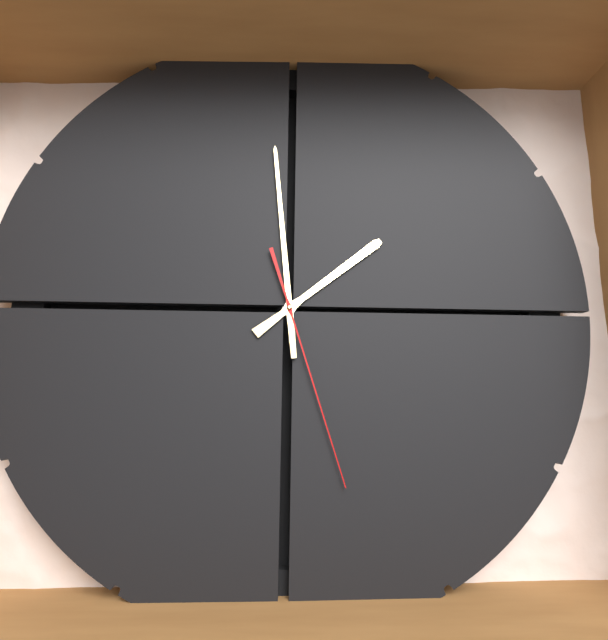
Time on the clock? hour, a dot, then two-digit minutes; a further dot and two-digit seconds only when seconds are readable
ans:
10.44.12
